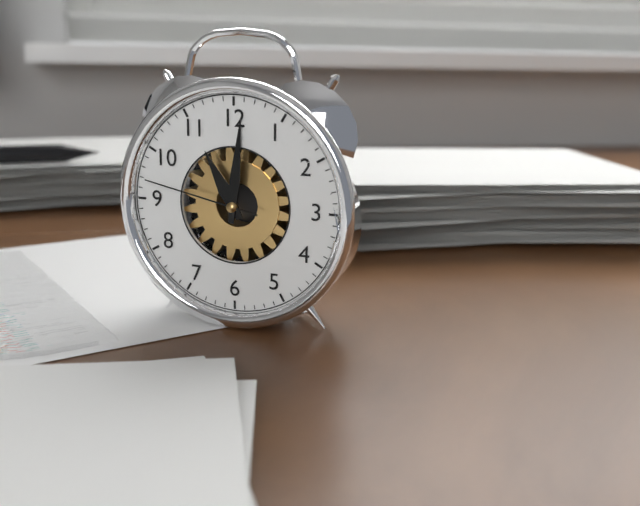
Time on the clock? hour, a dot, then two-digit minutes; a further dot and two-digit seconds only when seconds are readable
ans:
11.01.47
